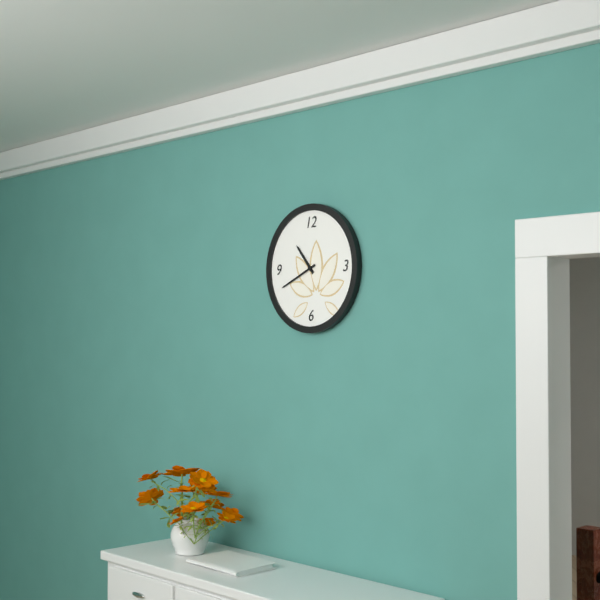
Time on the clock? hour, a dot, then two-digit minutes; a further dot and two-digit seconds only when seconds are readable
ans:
10.41
